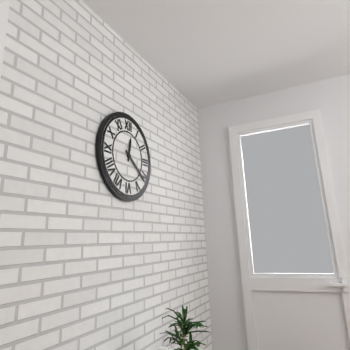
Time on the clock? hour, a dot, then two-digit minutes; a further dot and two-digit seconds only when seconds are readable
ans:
12.21
